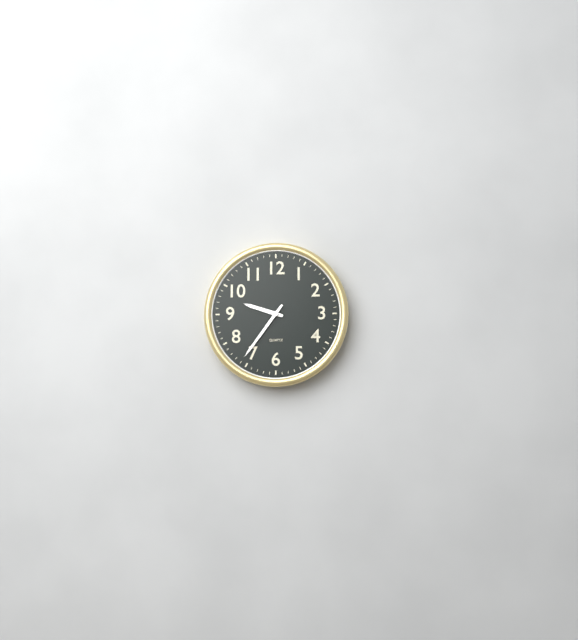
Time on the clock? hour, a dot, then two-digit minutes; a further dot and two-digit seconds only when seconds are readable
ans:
9.36
